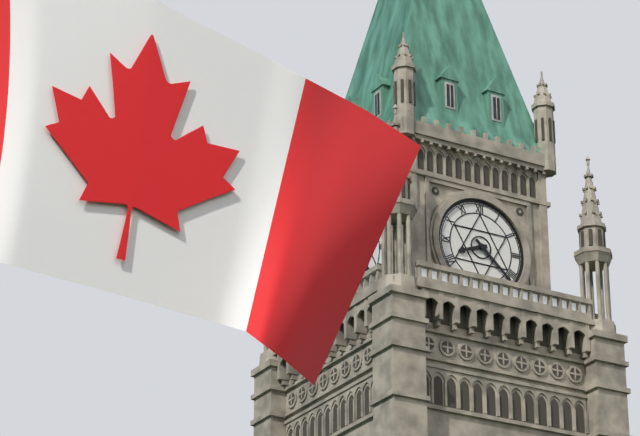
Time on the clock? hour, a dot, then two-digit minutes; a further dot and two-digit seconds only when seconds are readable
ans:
8.22
